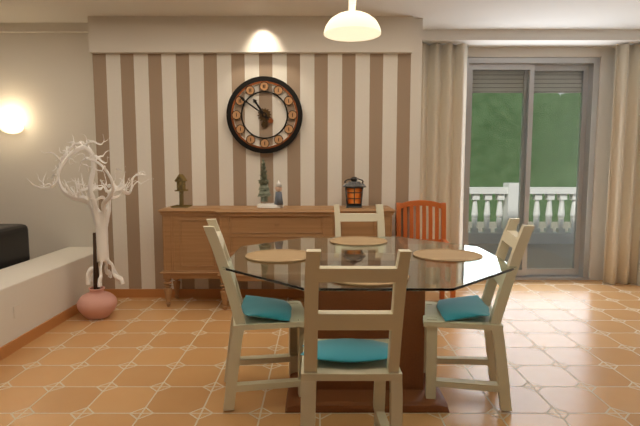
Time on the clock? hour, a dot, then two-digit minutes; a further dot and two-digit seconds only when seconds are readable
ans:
10.51
